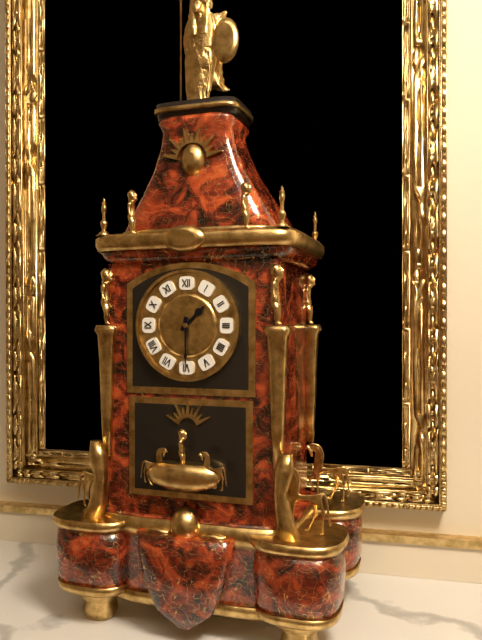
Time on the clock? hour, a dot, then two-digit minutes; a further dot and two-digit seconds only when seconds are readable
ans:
1.30
